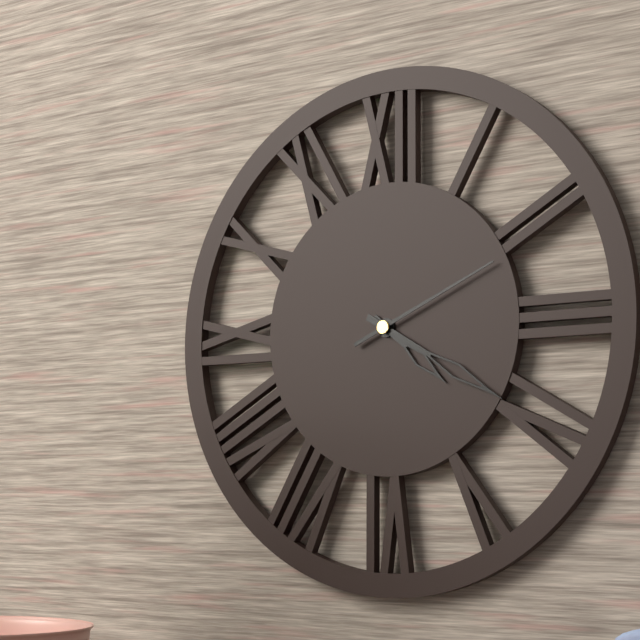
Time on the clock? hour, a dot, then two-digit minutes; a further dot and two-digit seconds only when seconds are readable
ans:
4.20.11
